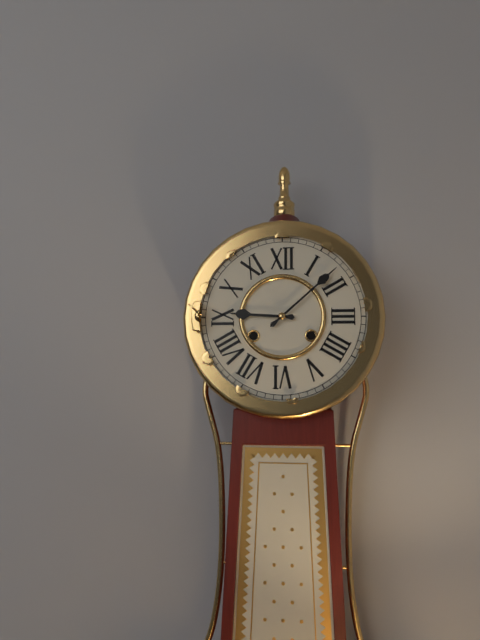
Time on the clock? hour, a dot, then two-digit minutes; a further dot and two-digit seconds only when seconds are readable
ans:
9.08
